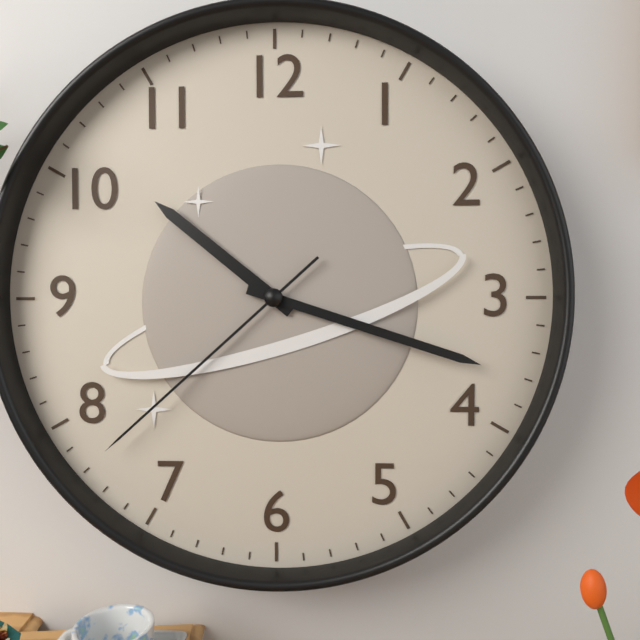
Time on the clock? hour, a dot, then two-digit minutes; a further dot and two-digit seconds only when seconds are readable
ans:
10.18.38
